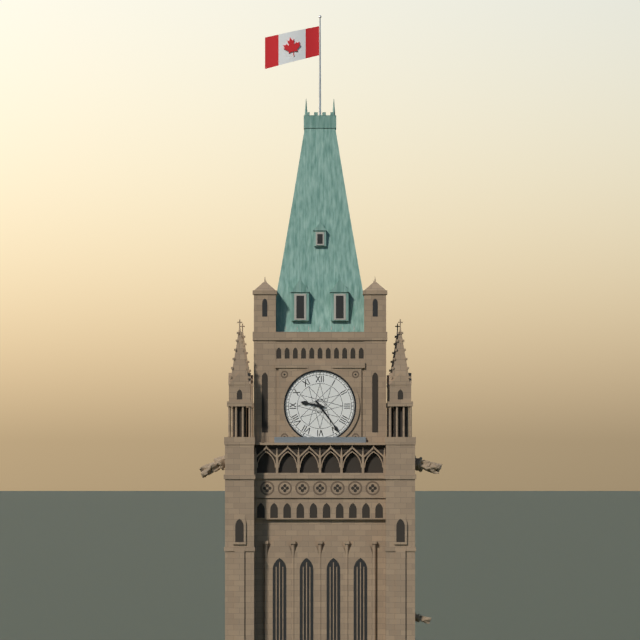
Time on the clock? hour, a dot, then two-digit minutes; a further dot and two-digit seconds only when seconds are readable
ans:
9.24
